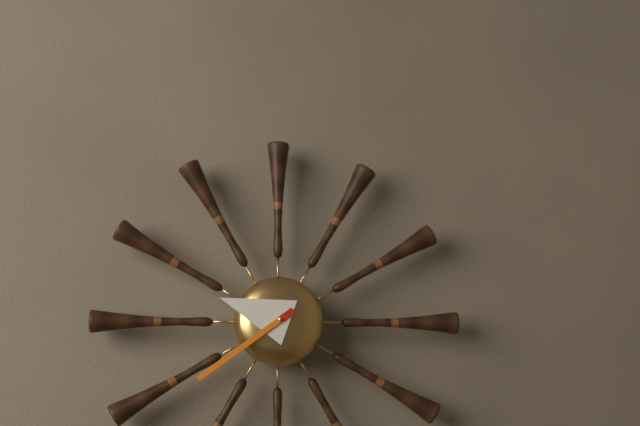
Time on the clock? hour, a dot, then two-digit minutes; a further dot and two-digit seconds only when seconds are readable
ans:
9.39
